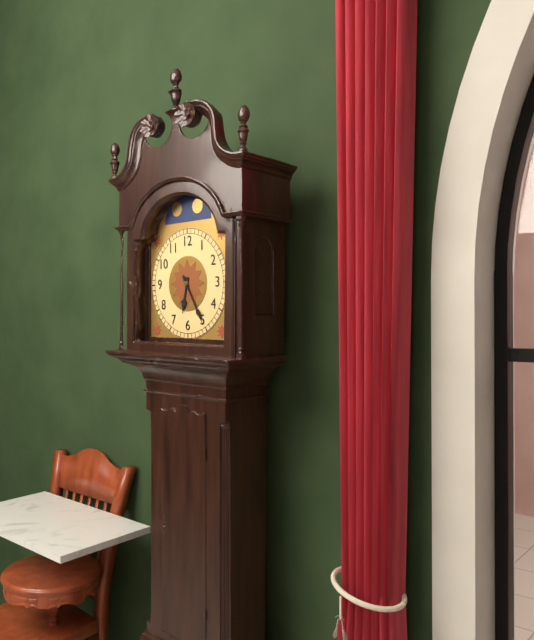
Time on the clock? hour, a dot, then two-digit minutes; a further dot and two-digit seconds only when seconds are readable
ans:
6.25
